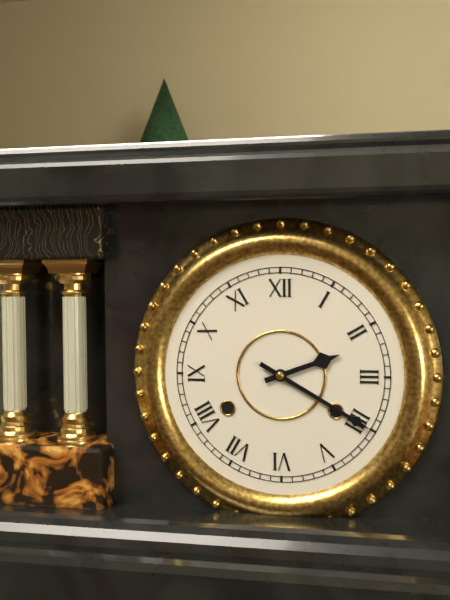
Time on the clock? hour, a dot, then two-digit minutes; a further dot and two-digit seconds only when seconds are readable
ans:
2.20
